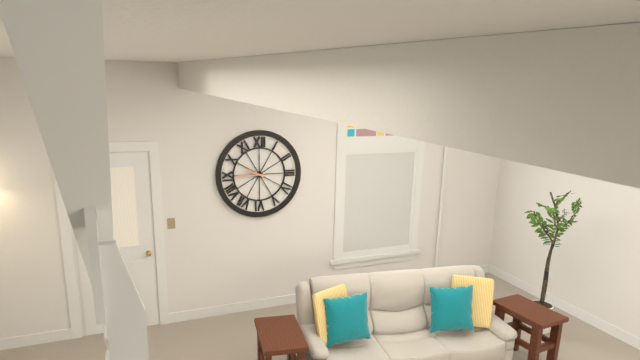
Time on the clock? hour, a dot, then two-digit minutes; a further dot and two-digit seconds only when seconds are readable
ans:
9.45
